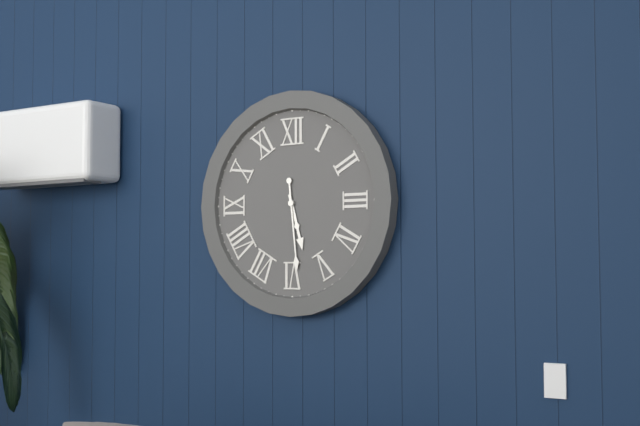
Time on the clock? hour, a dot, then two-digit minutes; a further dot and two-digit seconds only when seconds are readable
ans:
5.29
